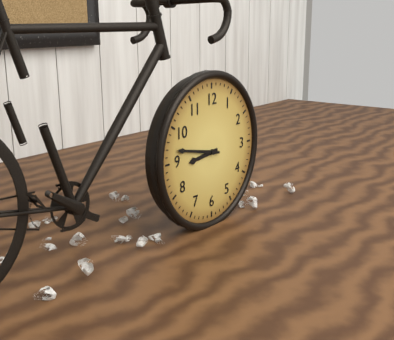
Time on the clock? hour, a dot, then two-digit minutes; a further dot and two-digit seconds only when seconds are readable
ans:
8.47
